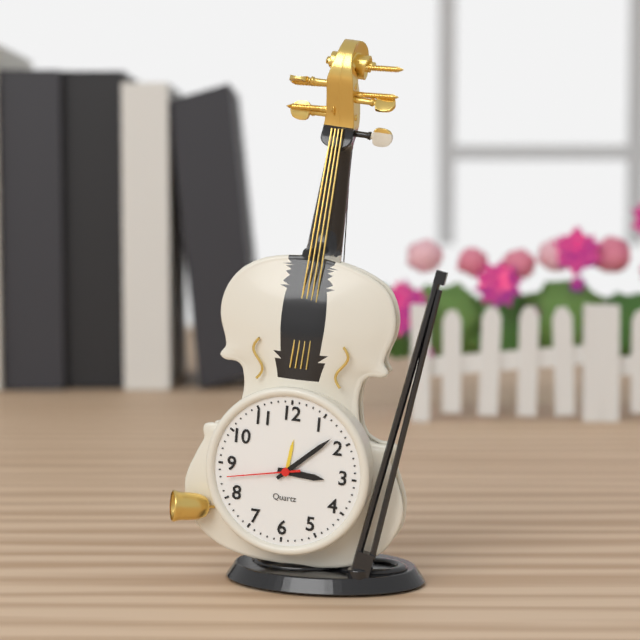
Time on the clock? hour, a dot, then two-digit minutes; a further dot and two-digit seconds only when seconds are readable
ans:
3.08.43
